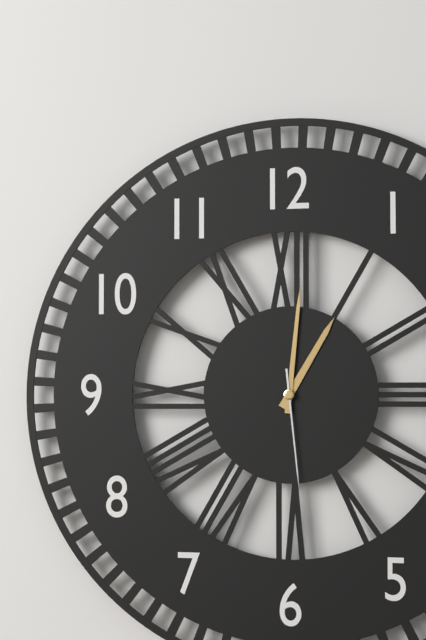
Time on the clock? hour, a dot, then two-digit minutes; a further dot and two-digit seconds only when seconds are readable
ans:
1.01.29
